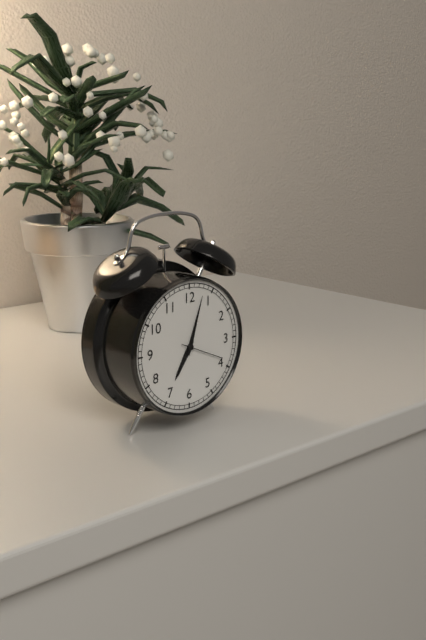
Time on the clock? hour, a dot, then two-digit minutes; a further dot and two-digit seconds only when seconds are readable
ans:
7.03
